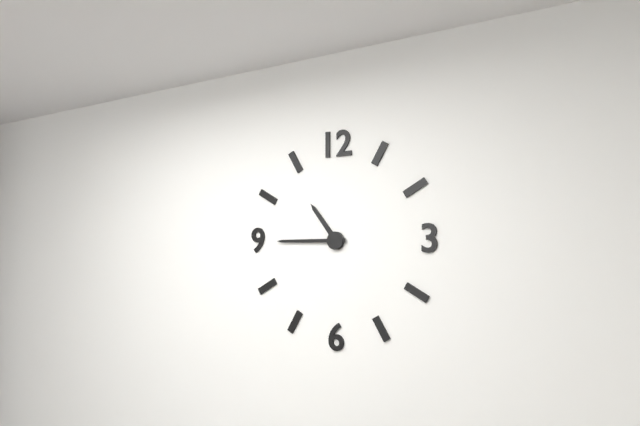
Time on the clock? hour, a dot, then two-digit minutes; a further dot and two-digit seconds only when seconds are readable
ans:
10.45
